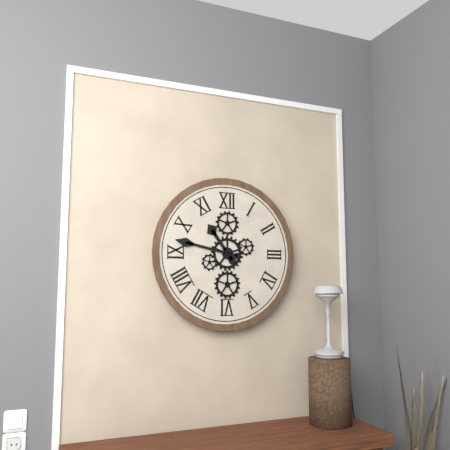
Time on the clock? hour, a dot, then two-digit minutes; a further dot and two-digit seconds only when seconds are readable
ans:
10.47
